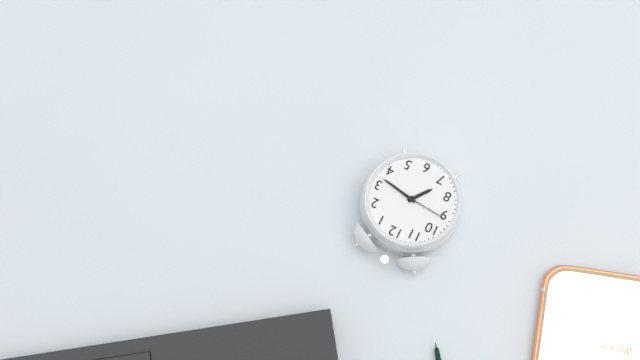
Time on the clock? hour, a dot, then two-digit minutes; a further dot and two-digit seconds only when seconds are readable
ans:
7.17
